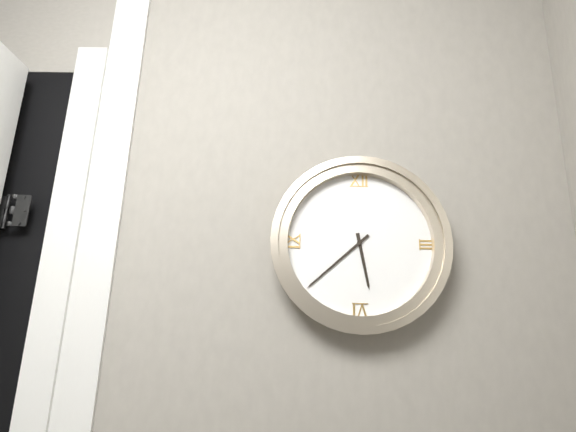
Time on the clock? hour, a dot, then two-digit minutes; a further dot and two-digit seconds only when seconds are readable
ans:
5.38
